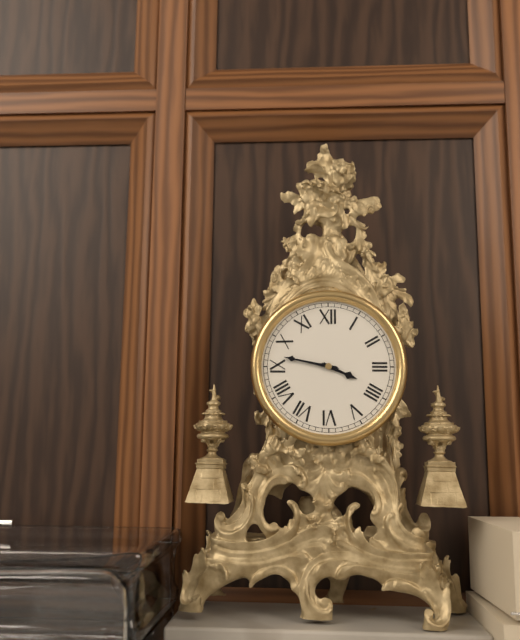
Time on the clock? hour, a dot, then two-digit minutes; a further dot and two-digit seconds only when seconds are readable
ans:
3.47
